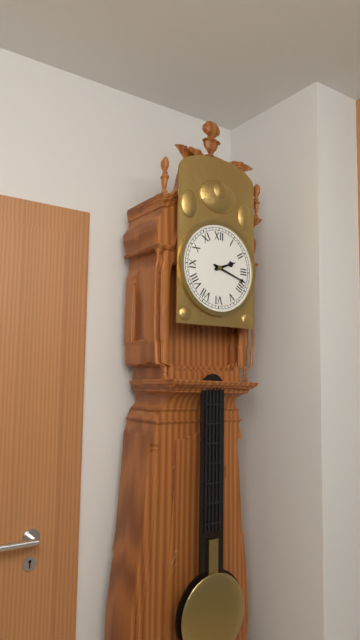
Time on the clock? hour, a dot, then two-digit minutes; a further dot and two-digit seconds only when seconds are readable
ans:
2.18
